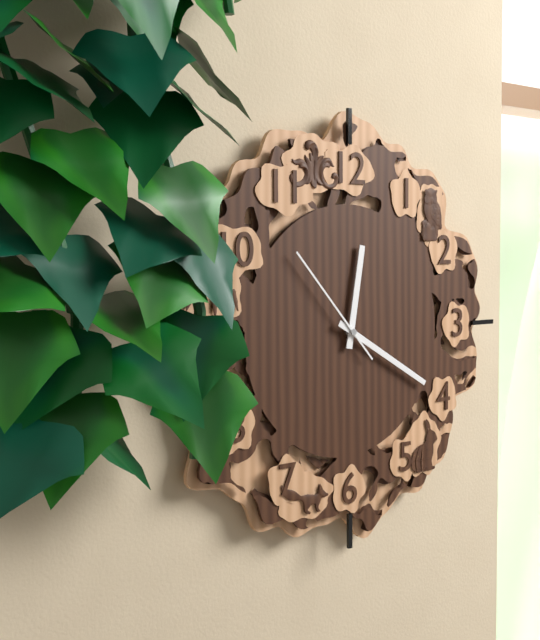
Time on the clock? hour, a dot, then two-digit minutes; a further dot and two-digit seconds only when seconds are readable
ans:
12.20.53
